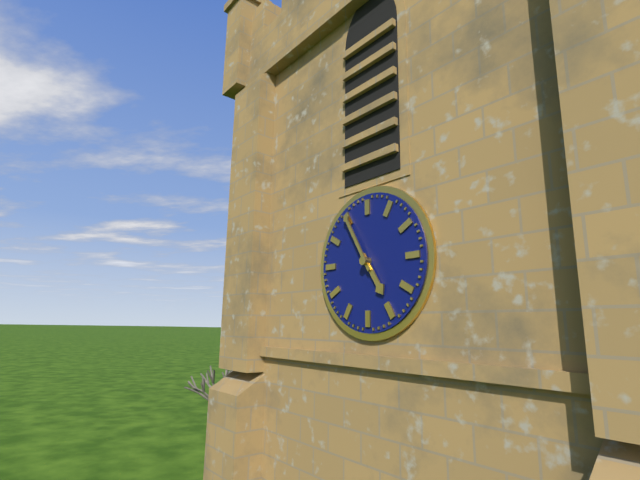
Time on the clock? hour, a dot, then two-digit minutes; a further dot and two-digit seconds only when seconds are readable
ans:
4.55
